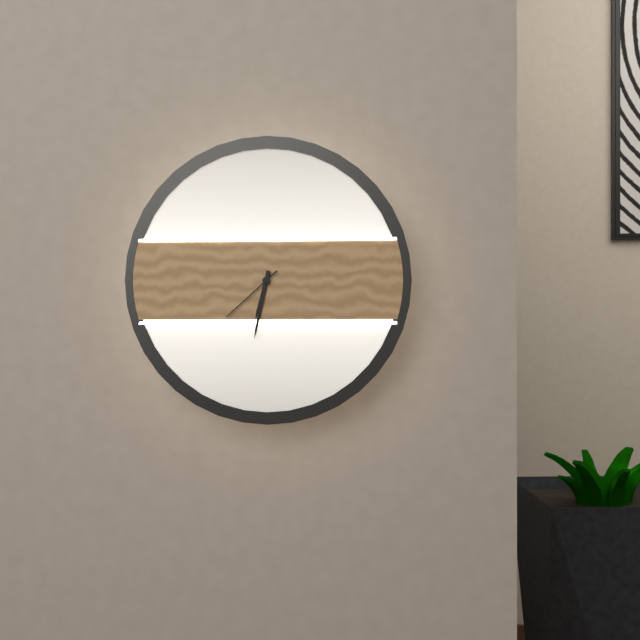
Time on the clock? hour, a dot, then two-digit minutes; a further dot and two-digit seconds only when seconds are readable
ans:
6.32.38
